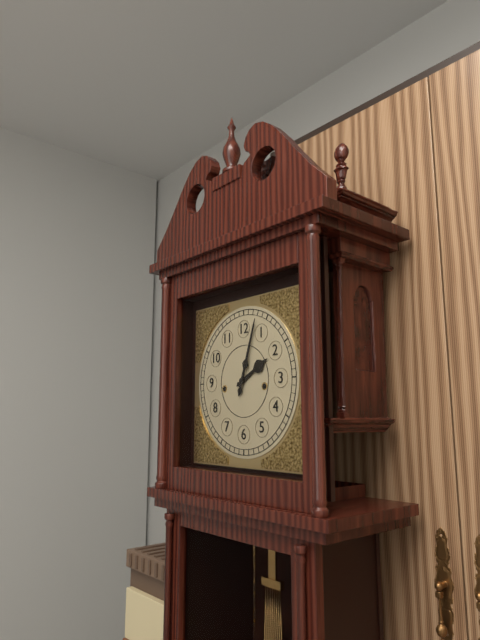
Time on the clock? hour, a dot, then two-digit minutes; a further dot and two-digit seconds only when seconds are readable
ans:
2.03
